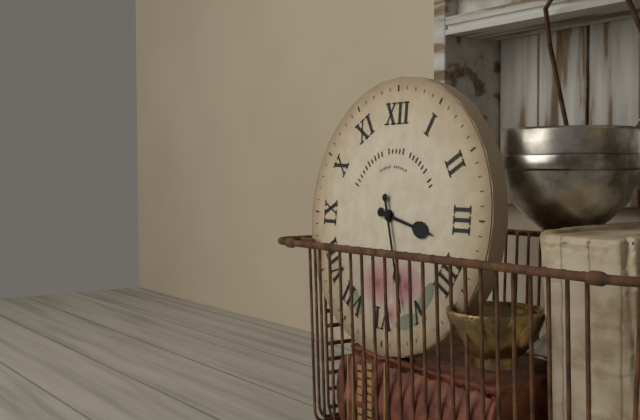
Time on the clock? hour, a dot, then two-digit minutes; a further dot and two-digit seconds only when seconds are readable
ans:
3.27
